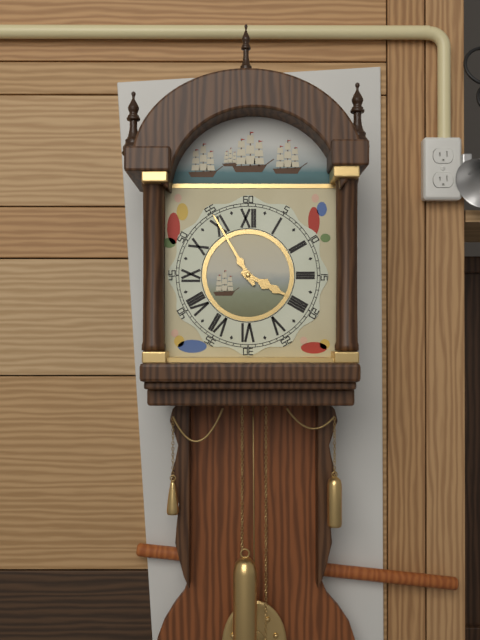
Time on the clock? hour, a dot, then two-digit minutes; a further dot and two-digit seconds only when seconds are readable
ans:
3.55
